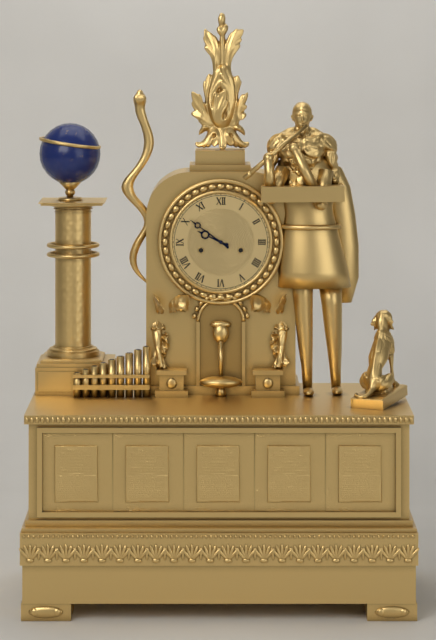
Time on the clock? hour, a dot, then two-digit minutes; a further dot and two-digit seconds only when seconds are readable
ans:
9.51
